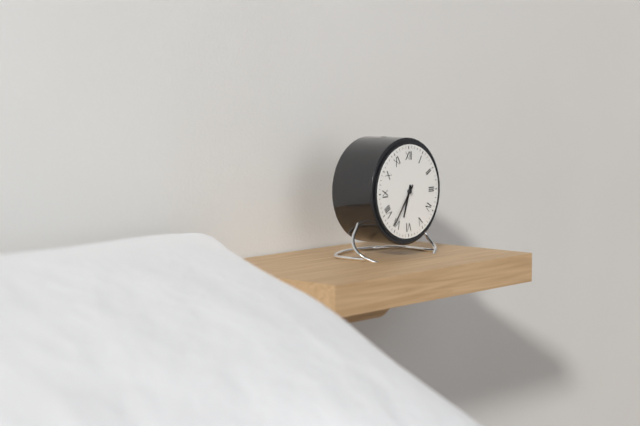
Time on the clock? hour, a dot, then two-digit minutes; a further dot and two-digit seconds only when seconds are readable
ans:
6.36
